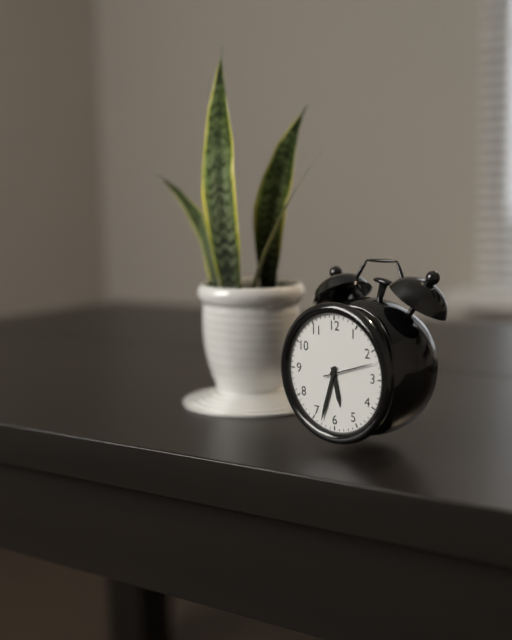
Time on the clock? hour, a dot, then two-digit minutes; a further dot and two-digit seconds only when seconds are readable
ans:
5.33.12
